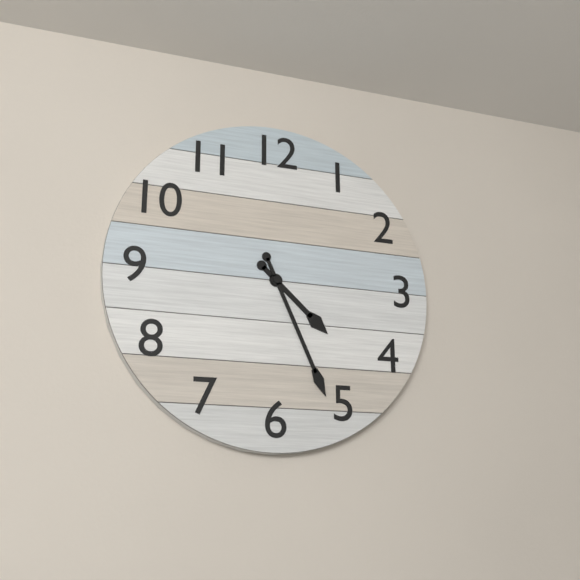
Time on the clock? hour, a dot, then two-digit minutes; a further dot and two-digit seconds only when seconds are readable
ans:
4.26
